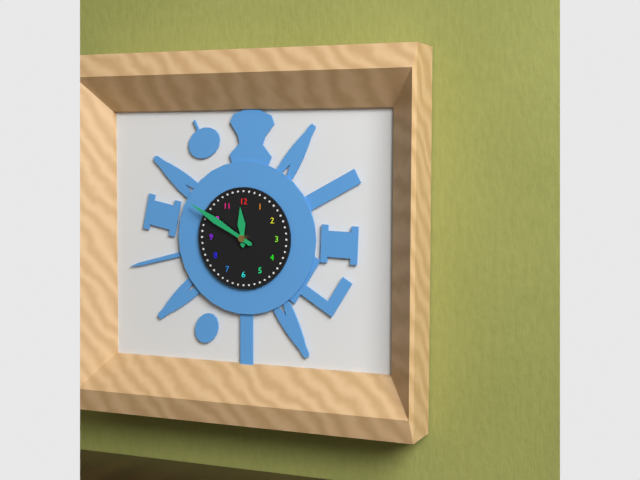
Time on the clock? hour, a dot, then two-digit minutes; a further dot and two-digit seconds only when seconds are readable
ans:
11.50
